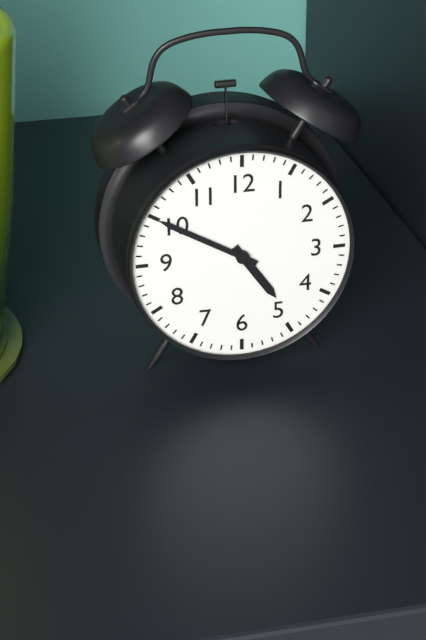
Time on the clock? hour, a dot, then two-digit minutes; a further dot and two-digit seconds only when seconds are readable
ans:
4.50
